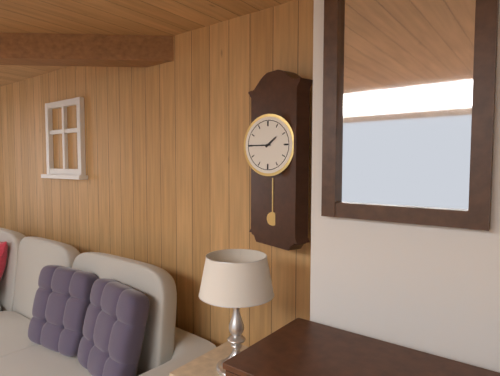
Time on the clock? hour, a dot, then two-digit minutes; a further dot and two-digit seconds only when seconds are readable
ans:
1.45
